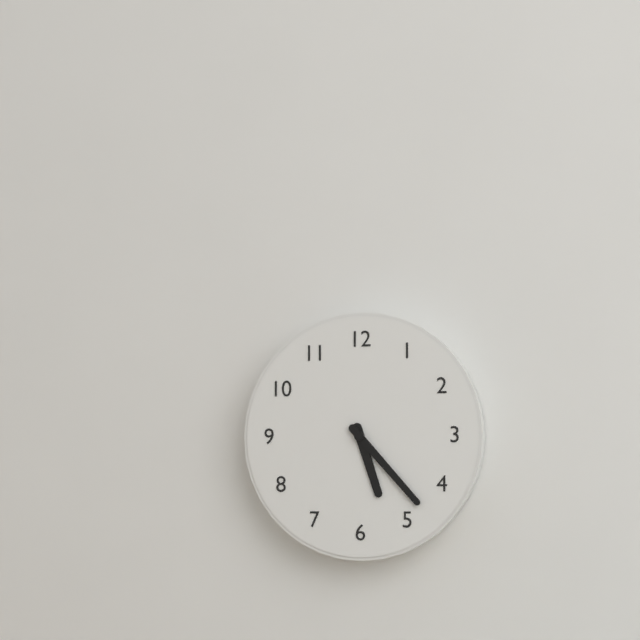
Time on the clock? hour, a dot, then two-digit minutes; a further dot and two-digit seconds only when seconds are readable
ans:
5.23
